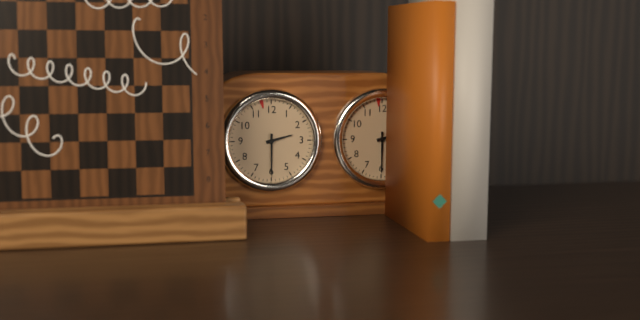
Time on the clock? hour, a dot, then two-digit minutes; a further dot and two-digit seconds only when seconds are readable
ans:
2.30
